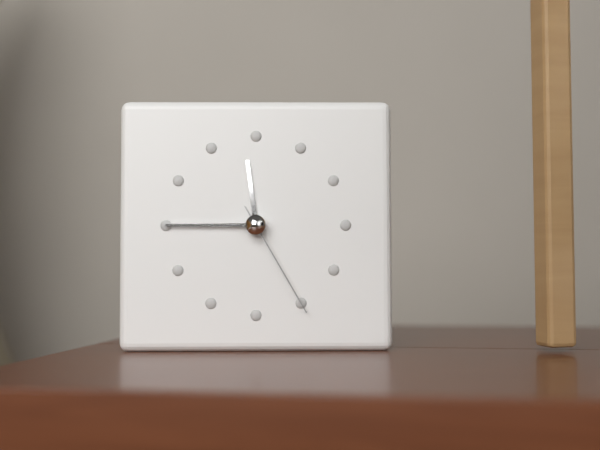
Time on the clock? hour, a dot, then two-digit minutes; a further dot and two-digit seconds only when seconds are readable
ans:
11.45.25
